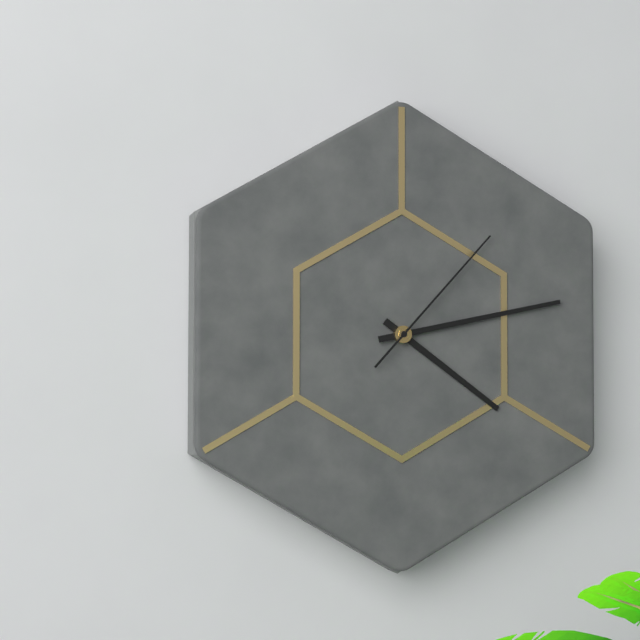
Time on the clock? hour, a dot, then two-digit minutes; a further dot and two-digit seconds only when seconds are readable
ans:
4.13.07
